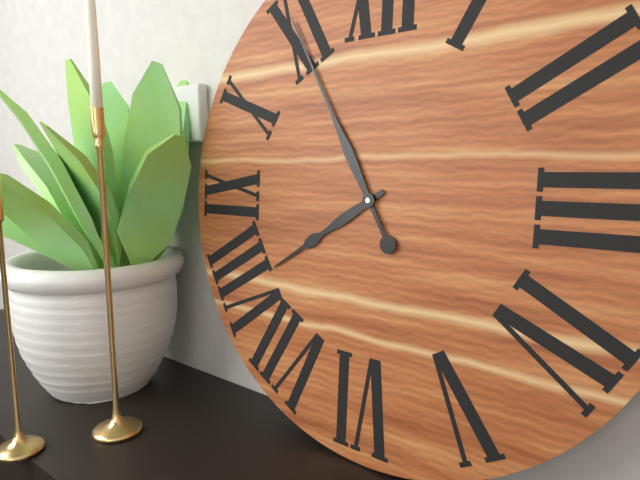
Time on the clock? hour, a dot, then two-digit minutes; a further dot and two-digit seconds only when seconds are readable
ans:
7.55
